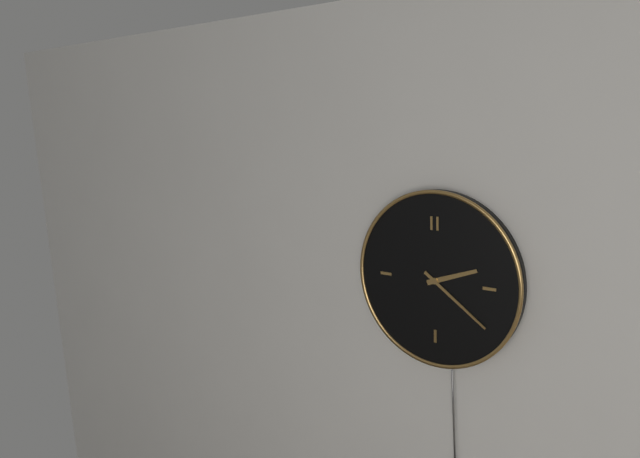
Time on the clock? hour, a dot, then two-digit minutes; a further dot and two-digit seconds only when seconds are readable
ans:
2.21
